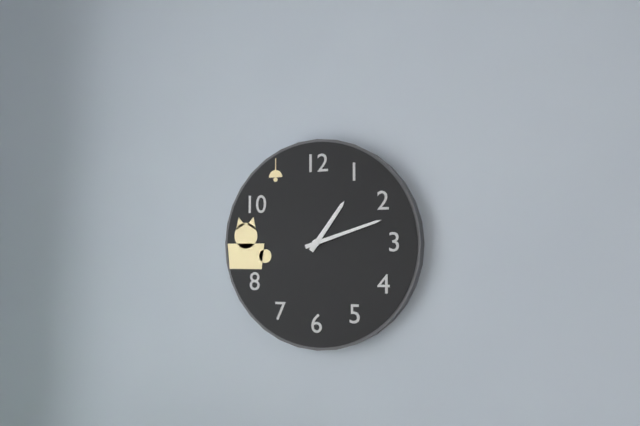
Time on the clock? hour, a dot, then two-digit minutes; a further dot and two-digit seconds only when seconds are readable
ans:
1.12
